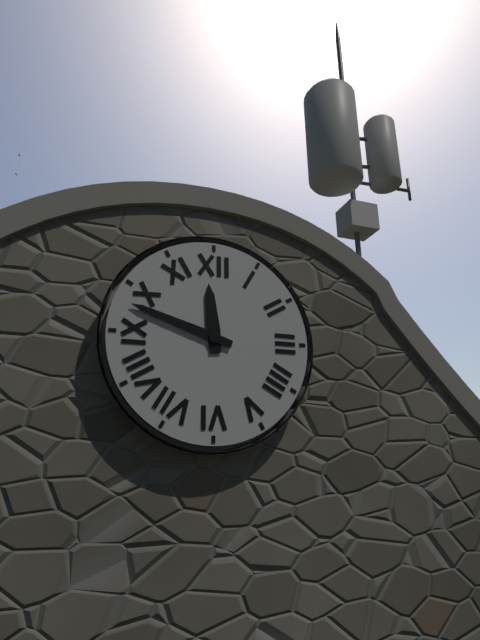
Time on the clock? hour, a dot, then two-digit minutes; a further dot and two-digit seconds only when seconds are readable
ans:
11.48
